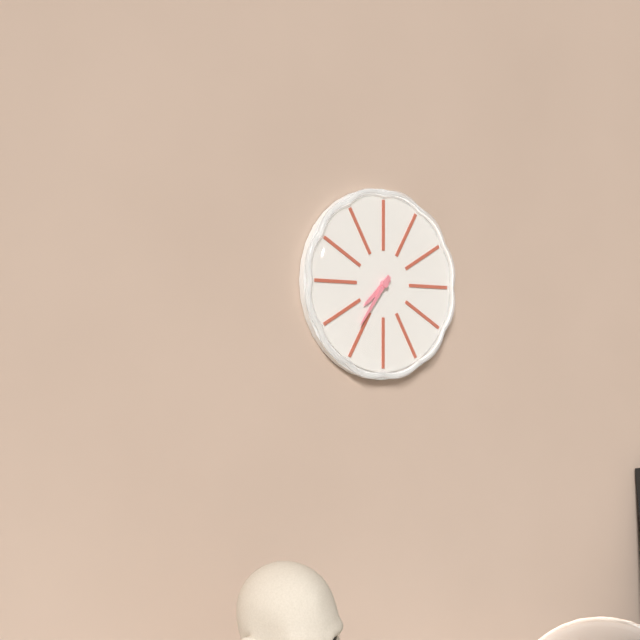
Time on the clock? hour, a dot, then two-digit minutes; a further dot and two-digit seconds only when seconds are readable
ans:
7.36
